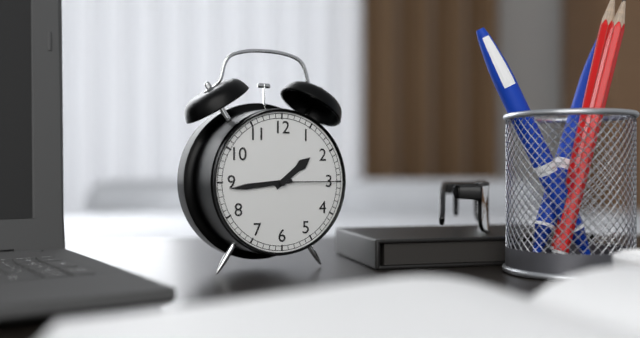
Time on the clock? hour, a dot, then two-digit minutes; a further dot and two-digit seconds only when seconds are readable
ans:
1.44.15
